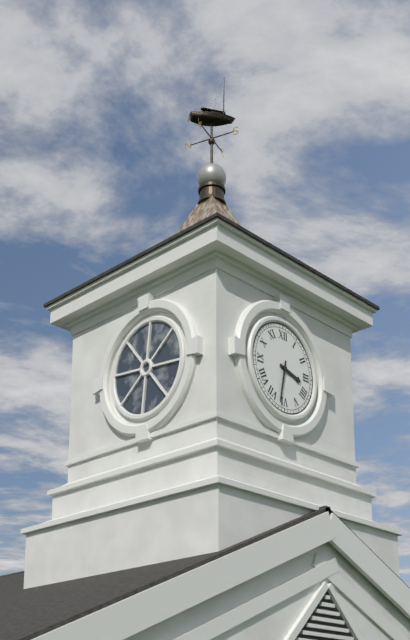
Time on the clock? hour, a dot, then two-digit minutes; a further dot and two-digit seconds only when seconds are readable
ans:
3.32
